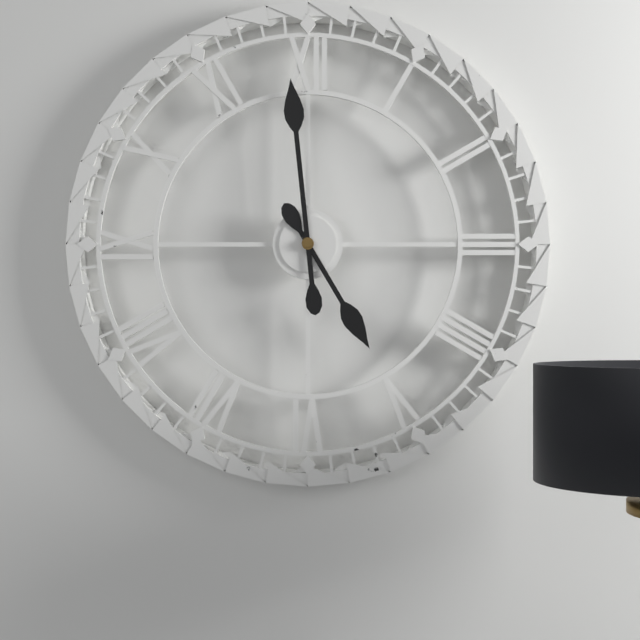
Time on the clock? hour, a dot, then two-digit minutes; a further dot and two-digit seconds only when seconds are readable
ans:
4.59
